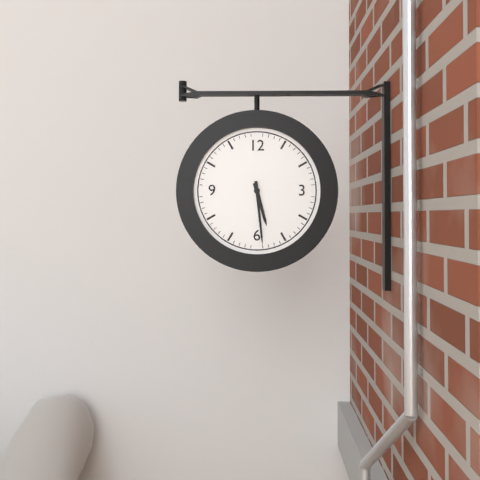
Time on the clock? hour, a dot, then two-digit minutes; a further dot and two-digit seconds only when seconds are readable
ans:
5.29
